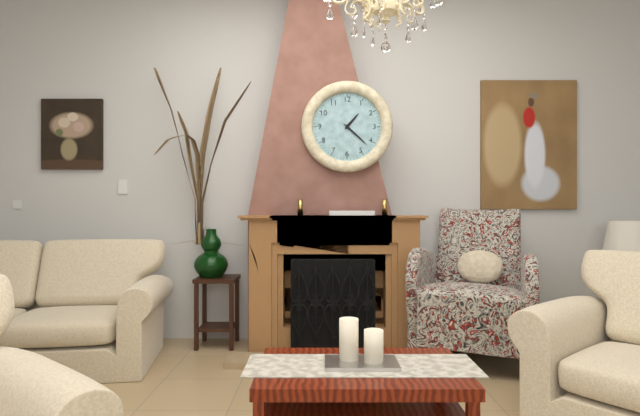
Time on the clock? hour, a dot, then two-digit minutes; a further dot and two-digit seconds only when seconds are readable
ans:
1.22
